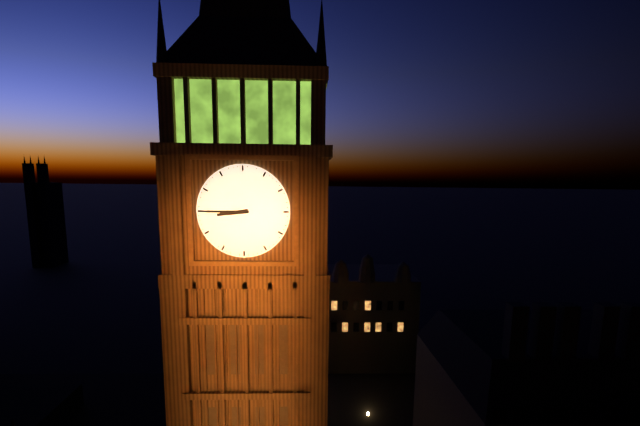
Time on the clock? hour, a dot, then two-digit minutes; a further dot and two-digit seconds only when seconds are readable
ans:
8.45
